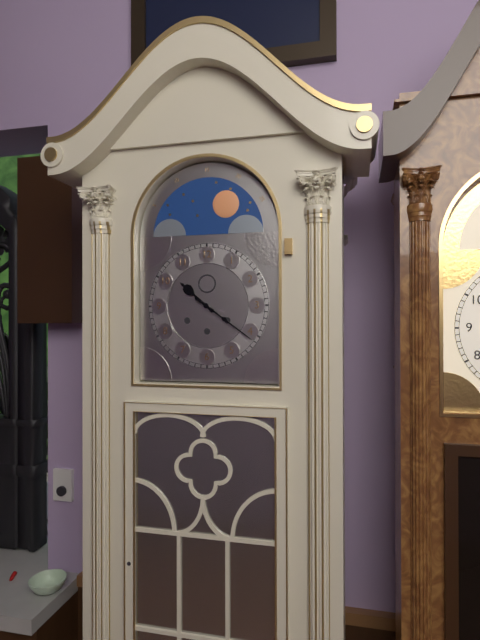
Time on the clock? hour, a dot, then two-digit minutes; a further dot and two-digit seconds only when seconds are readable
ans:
10.21
